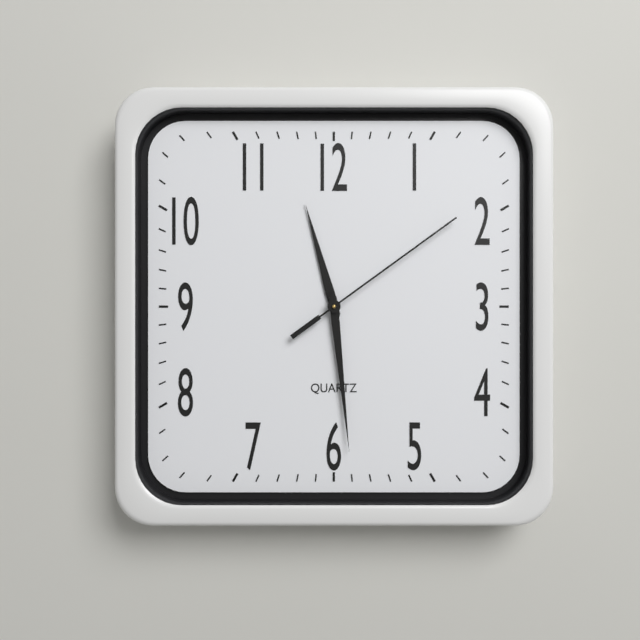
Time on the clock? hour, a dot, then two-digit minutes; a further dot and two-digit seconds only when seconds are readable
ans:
11.29.09
